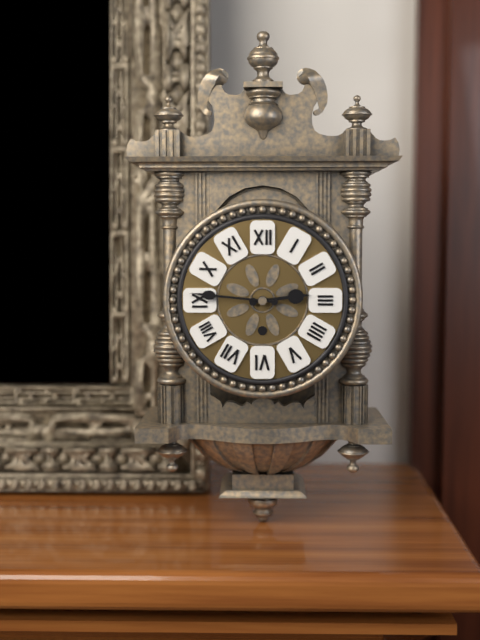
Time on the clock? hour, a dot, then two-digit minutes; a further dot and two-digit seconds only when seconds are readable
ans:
2.46
